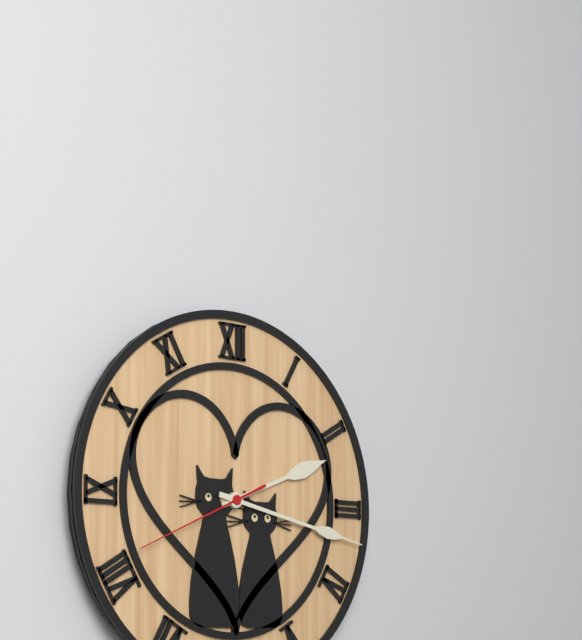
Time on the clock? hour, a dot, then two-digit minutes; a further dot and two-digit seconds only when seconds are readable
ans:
2.17.41
